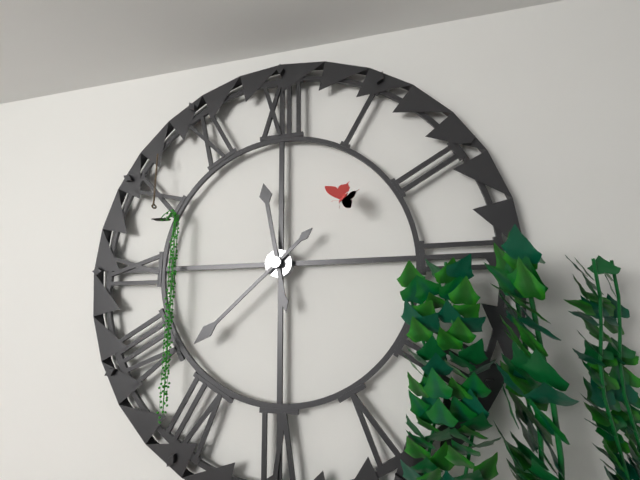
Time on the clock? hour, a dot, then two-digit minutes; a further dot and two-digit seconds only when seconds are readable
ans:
11.38
